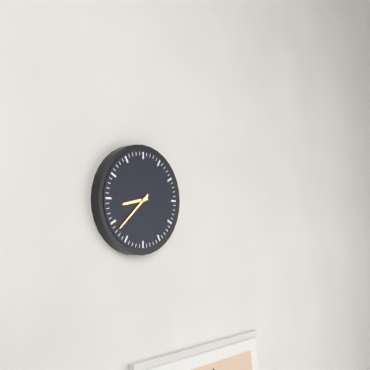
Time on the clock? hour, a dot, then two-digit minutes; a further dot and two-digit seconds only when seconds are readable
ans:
8.38
